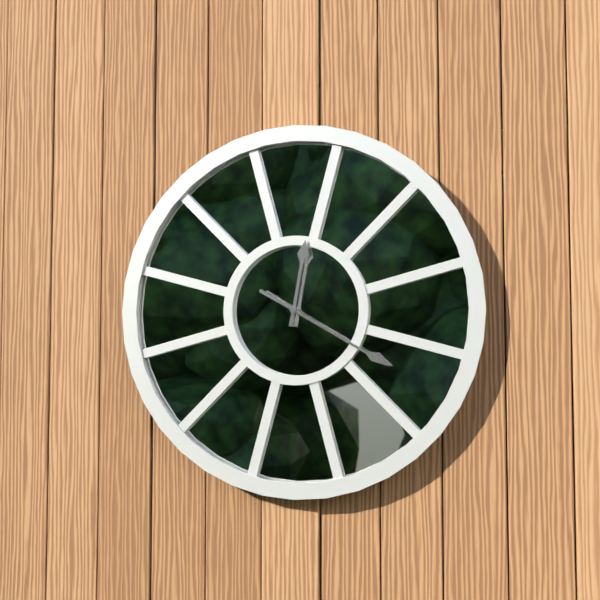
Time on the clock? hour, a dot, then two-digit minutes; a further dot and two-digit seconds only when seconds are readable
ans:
12.20
